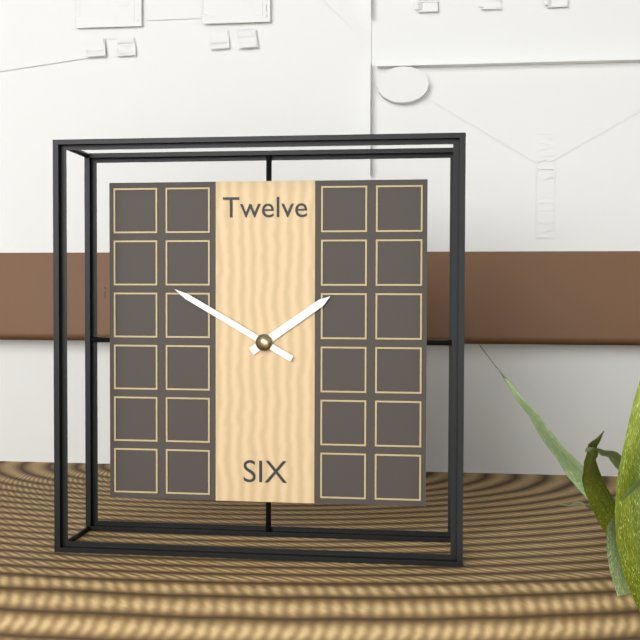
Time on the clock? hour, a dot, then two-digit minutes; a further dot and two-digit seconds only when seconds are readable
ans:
1.50
